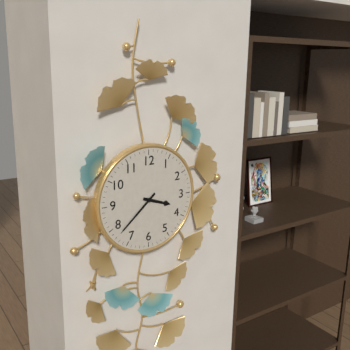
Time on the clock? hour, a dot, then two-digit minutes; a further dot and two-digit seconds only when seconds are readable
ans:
3.38
